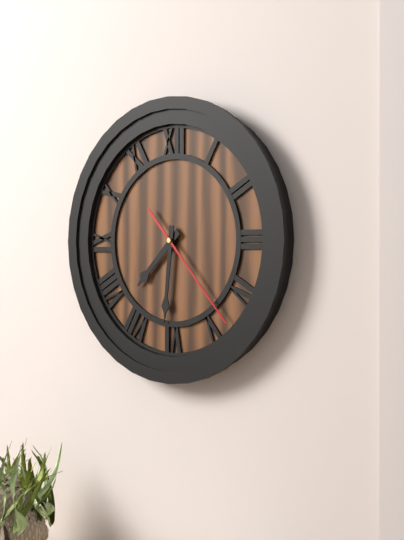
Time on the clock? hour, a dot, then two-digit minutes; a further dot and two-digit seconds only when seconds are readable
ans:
7.31.23
